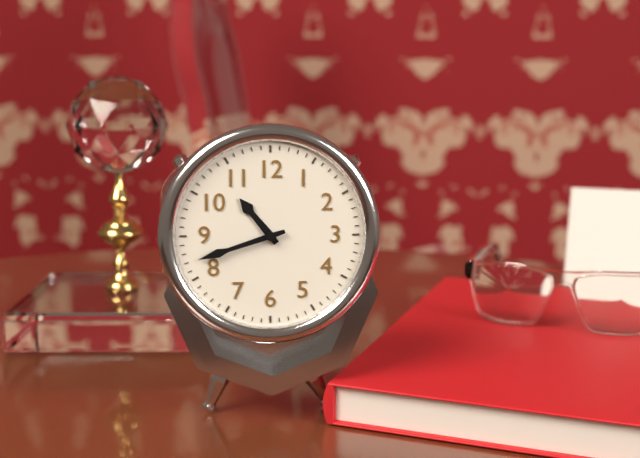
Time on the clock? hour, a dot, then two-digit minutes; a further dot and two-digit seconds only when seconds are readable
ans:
10.42
